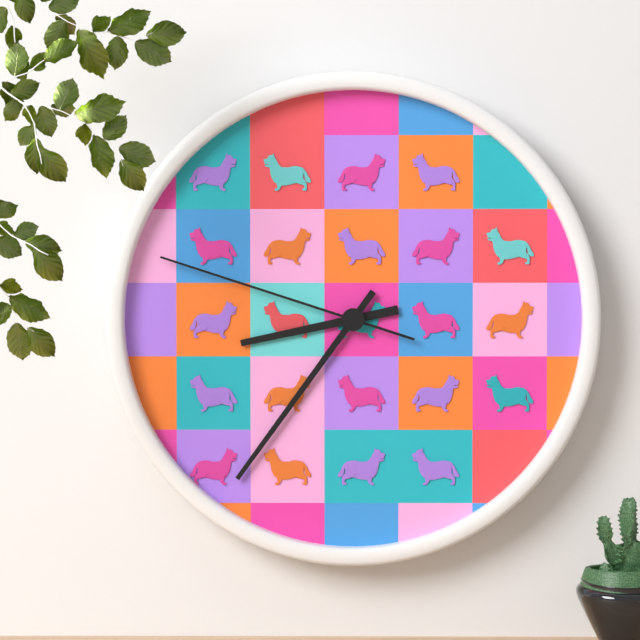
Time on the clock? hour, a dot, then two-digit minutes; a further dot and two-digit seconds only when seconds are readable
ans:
8.36.48
